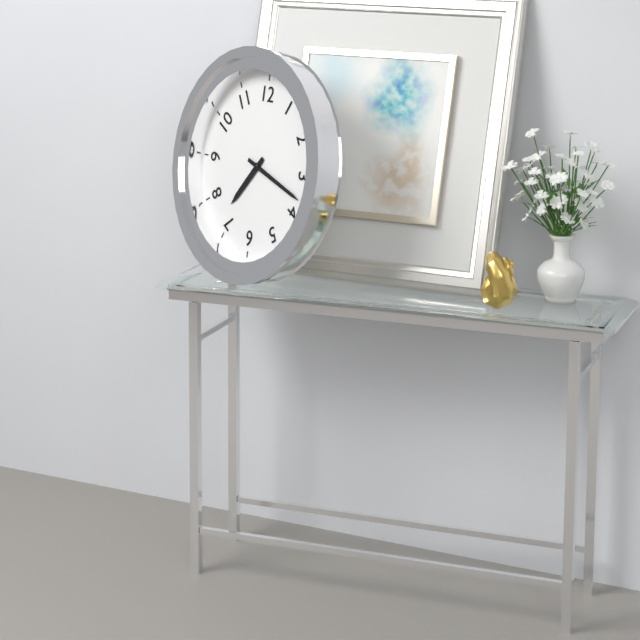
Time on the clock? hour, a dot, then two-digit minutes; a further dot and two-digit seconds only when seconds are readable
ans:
7.18
